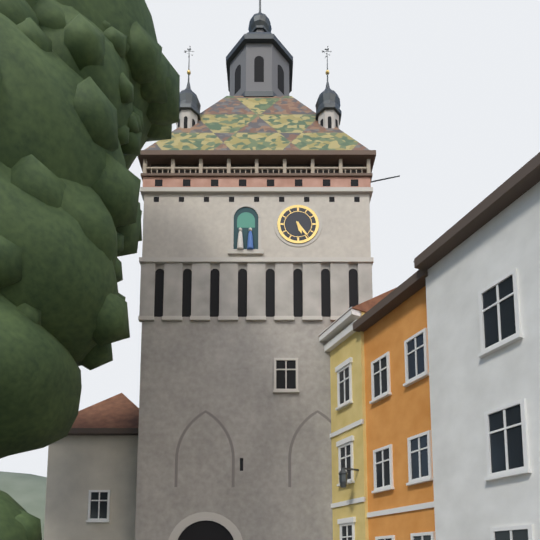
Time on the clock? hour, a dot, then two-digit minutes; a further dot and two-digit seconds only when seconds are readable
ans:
5.24
